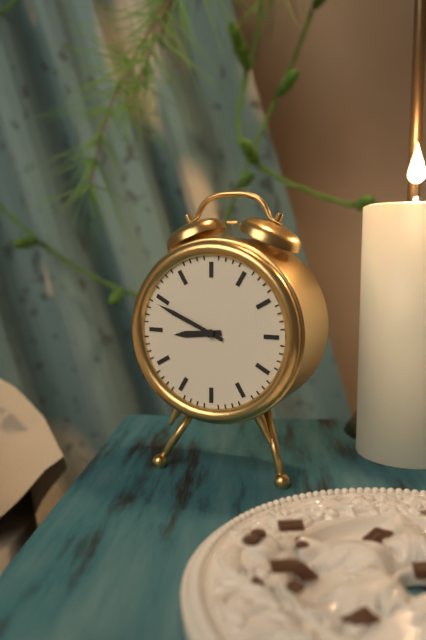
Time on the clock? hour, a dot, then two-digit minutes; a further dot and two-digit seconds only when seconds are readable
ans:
8.49
